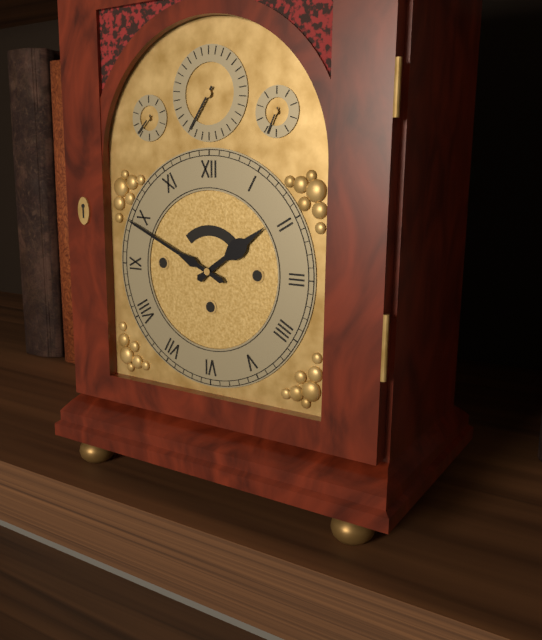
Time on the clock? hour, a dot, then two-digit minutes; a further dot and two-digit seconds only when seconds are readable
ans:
1.49
